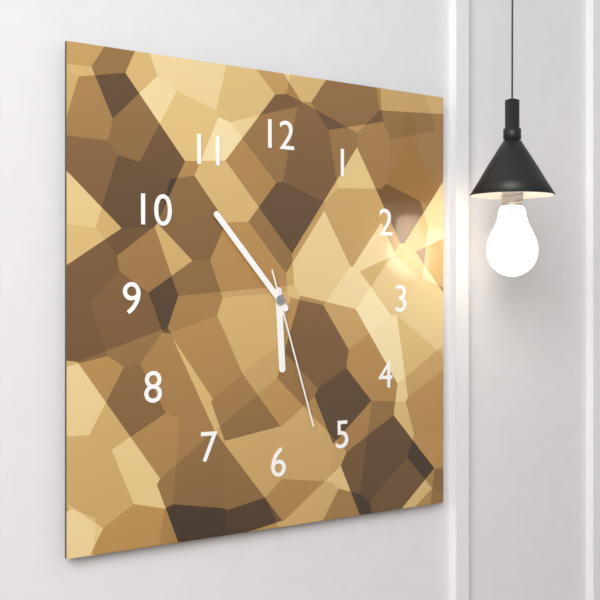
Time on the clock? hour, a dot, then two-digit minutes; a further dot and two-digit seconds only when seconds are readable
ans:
5.53.27
